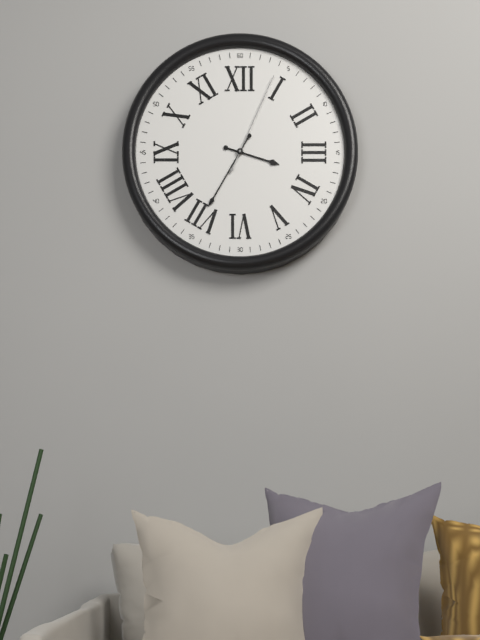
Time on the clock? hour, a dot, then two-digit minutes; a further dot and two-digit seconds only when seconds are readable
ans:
3.35.04
